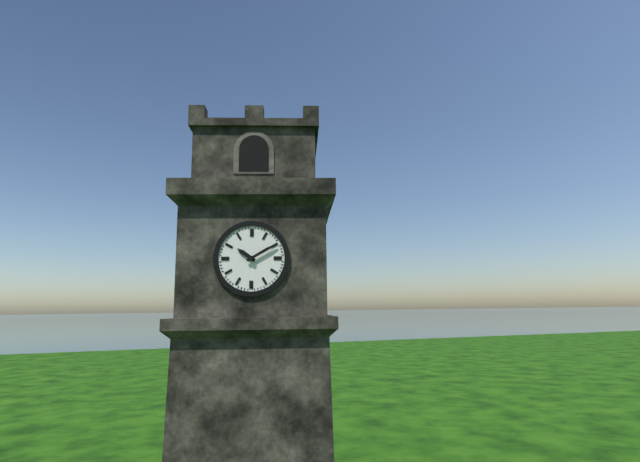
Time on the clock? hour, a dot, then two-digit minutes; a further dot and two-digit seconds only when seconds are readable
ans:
10.10
